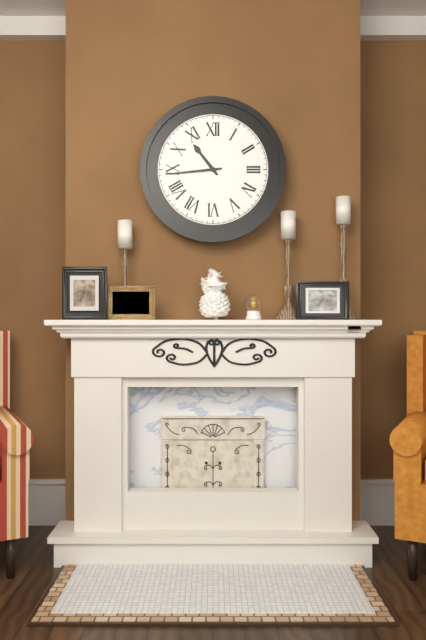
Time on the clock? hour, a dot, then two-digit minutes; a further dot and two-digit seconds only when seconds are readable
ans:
10.44
